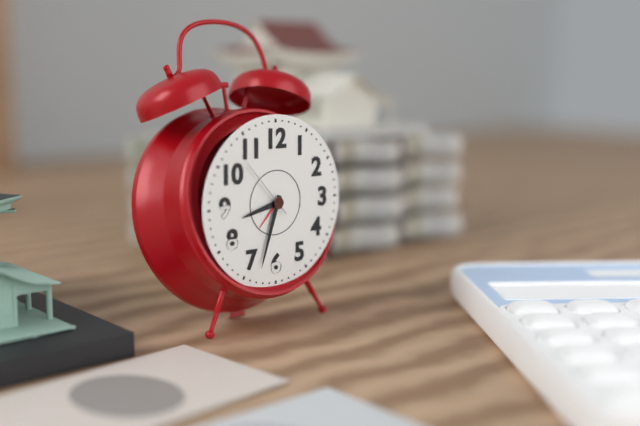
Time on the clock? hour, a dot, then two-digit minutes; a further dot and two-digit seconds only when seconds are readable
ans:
8.33.53
